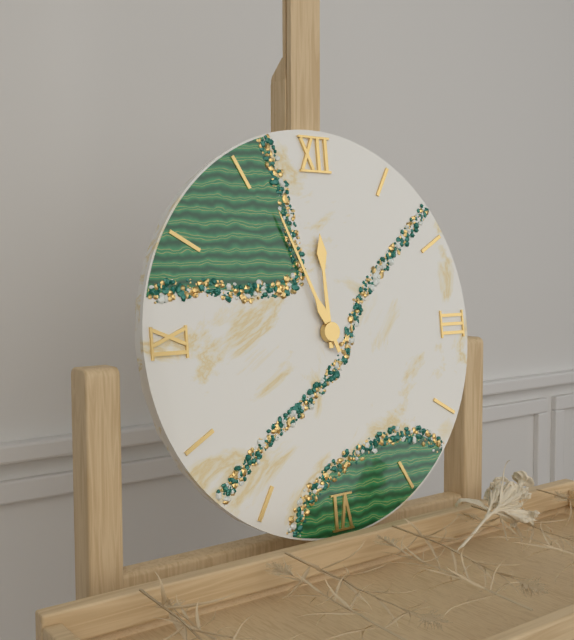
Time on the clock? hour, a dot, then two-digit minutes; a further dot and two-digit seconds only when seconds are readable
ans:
11.56
